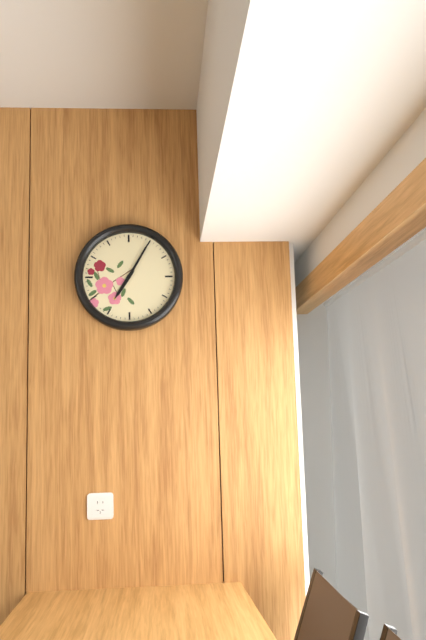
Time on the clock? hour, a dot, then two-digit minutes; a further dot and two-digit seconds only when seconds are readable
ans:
7.05
